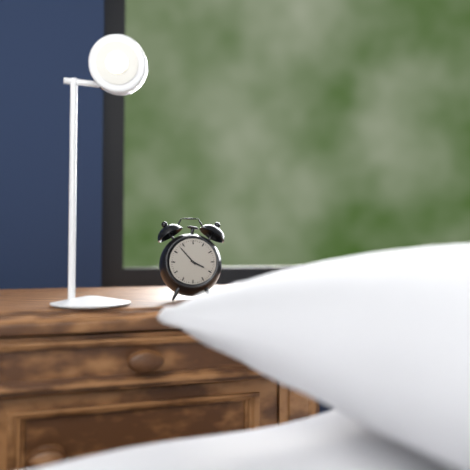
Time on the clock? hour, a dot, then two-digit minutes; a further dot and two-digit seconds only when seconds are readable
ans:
3.53
